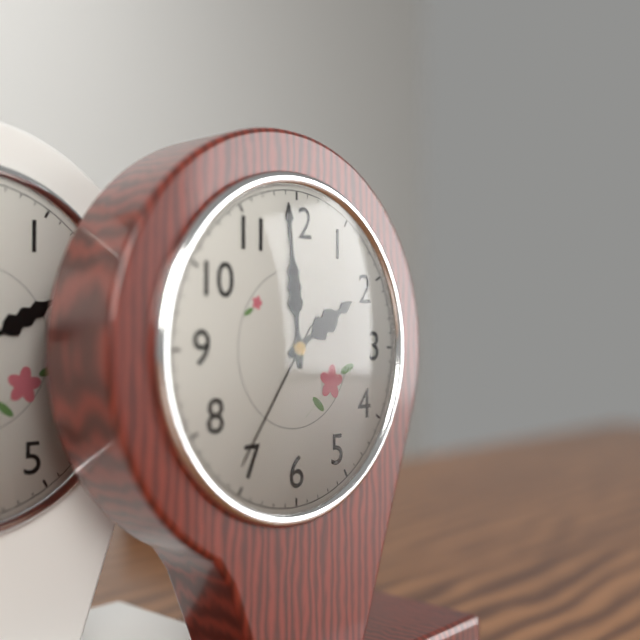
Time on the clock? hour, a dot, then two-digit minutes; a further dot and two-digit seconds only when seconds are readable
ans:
1.59.36
